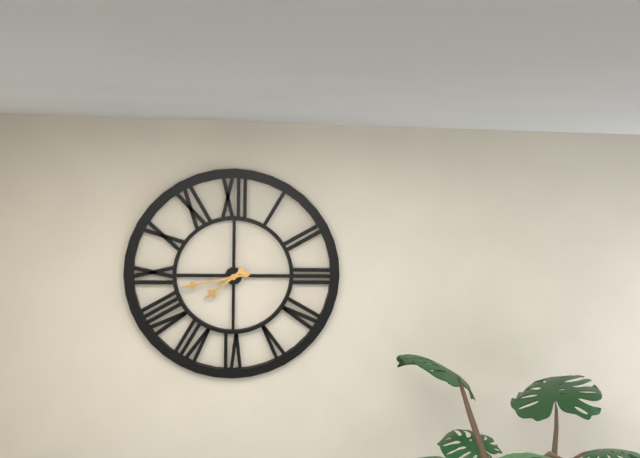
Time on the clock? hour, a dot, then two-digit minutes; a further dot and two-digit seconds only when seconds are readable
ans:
7.43
